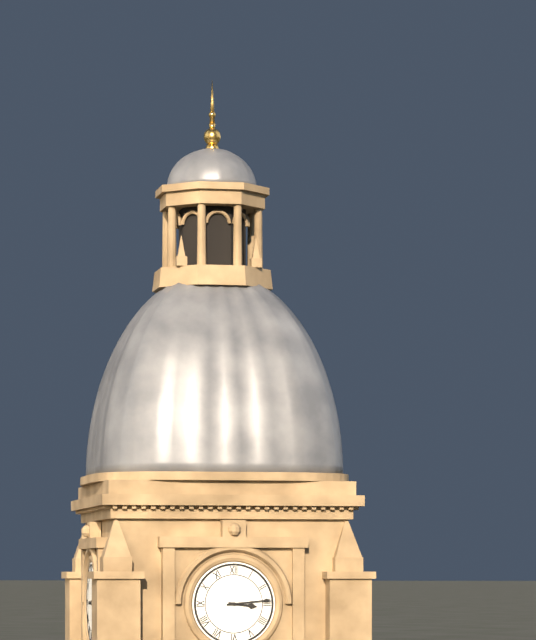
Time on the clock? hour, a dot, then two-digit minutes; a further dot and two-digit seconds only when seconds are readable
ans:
3.14
